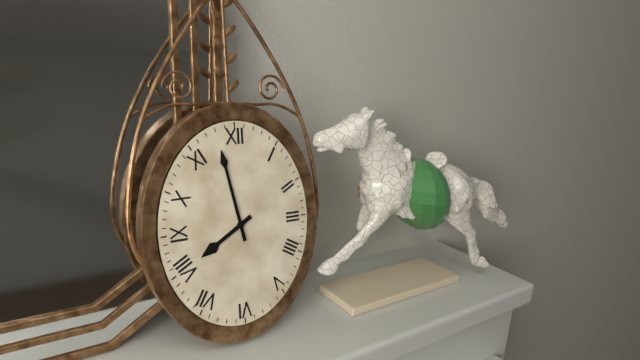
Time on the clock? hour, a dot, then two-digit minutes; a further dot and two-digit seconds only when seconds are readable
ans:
7.58
